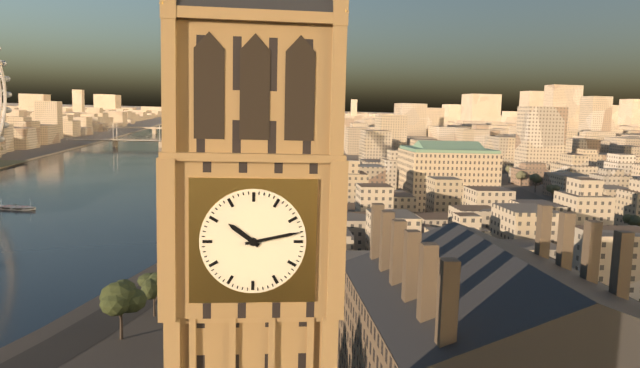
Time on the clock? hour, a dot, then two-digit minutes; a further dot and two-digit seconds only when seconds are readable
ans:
10.13
